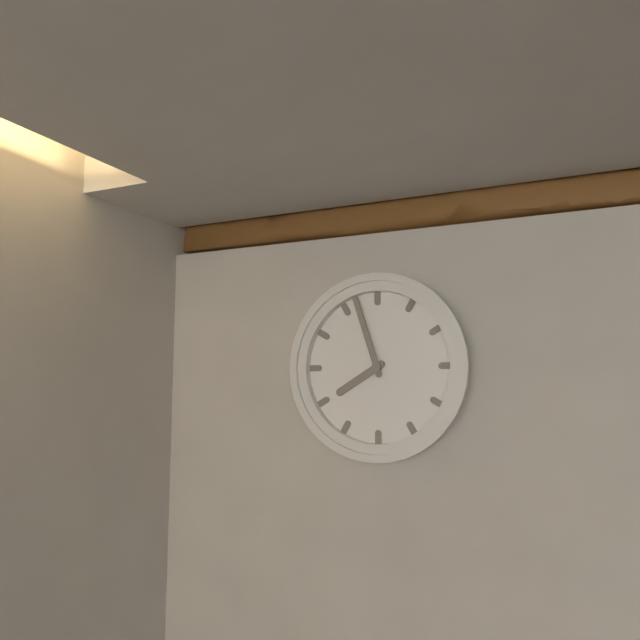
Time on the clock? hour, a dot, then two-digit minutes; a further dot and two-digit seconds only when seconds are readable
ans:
7.57
